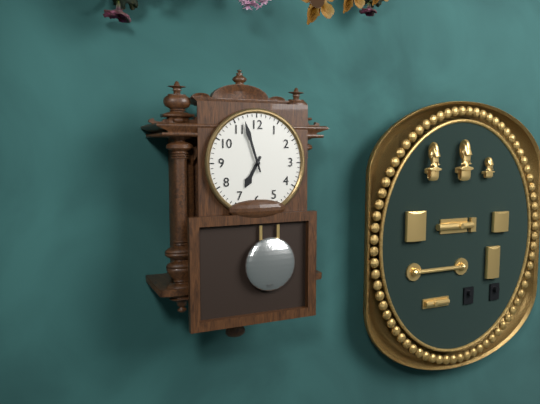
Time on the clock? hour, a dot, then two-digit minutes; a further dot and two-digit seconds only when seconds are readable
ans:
6.57
